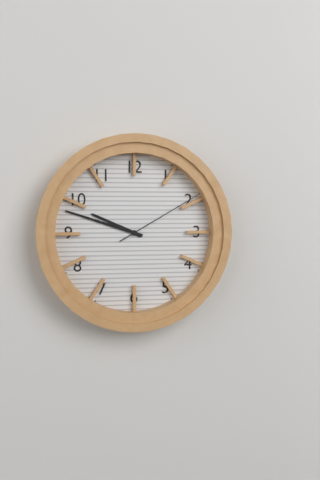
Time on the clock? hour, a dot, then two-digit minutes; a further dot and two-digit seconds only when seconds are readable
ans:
9.48.10
